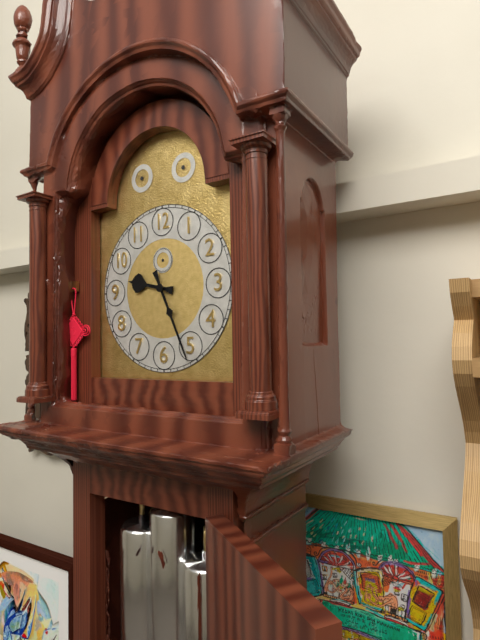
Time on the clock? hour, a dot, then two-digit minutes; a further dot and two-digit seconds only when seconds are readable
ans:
9.26
